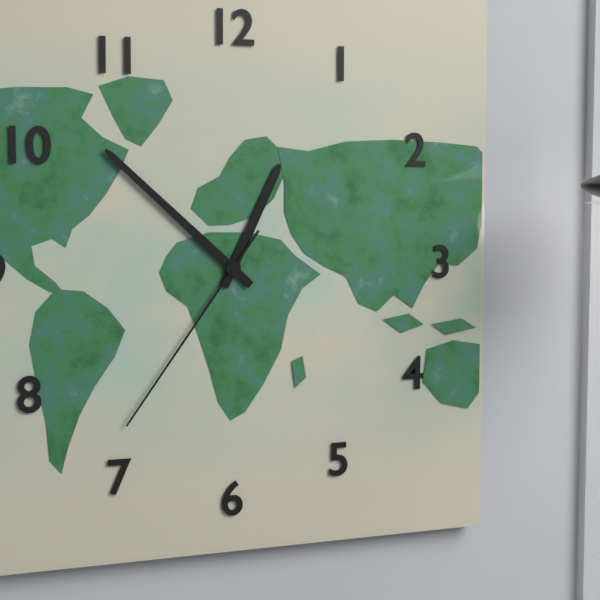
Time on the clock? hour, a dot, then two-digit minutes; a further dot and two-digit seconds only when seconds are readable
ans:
12.52.36
